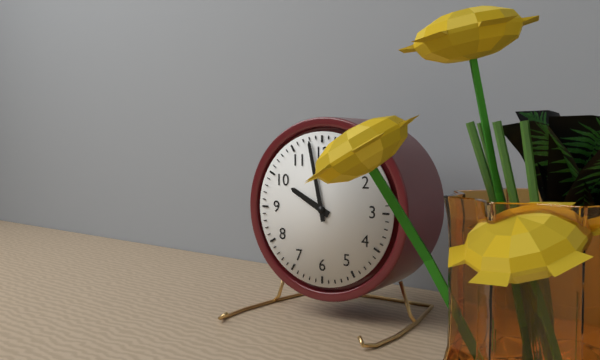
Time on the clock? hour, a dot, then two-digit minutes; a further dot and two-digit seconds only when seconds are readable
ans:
9.58
